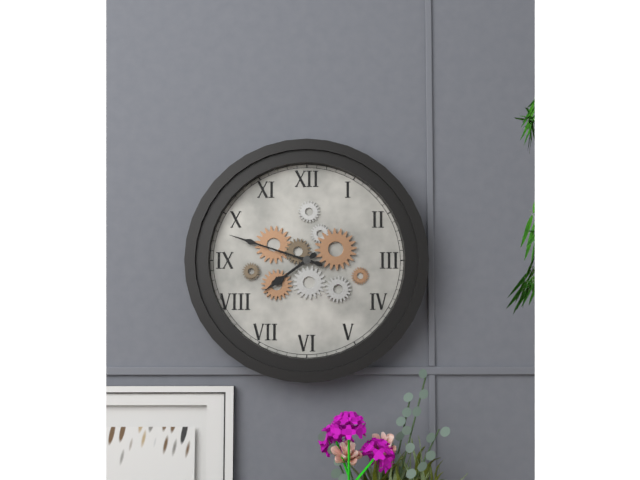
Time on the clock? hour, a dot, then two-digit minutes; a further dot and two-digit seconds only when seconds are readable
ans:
7.48
